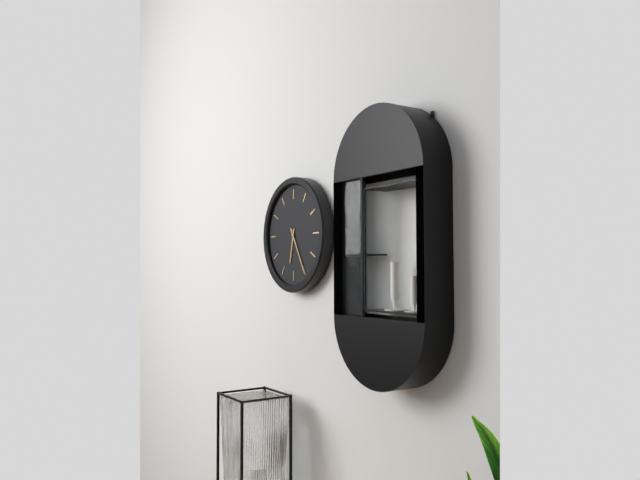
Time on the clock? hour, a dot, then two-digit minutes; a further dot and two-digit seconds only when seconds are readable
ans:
6.25
